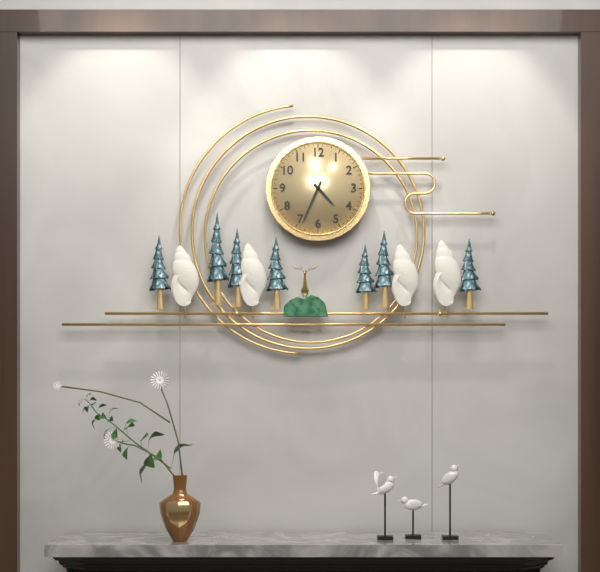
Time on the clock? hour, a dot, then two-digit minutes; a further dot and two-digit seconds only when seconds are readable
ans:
4.34
